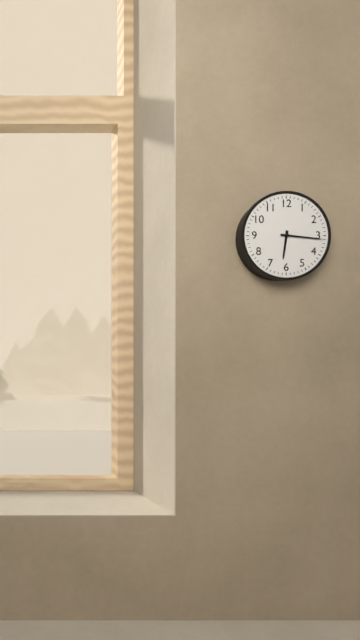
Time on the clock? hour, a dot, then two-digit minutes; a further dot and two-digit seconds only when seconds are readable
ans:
6.16
